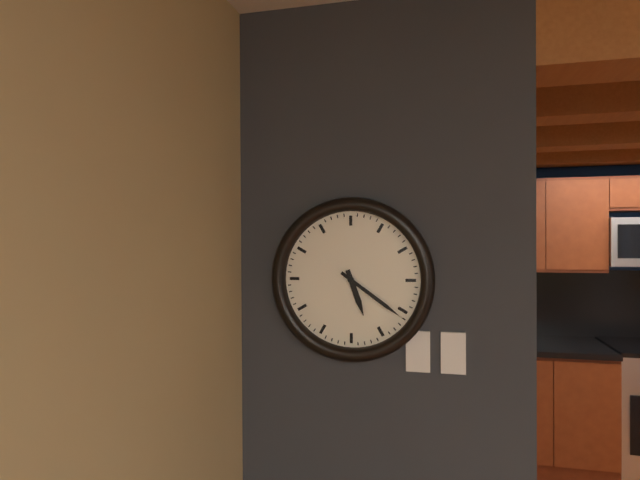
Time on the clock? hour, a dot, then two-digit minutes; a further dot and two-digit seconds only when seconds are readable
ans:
5.21
